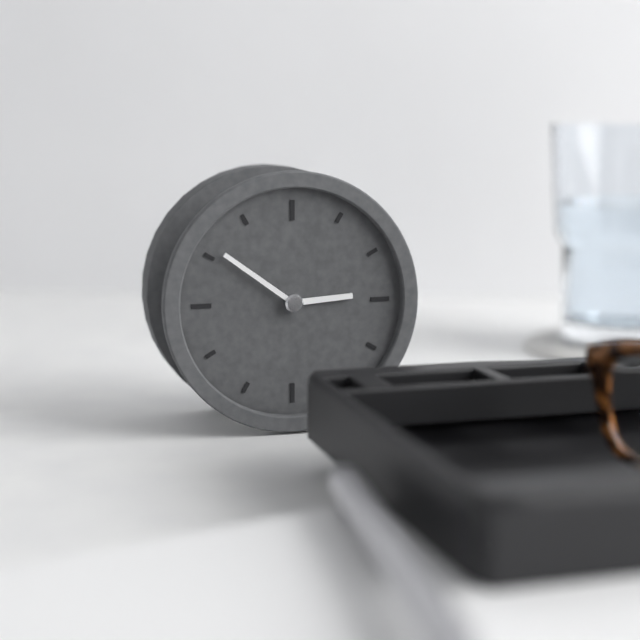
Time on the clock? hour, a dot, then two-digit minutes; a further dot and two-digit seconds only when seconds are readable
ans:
2.51
